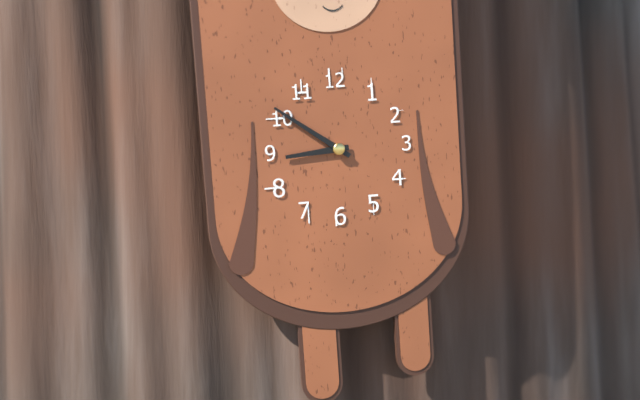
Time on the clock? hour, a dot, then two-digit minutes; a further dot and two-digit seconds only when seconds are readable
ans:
8.51
